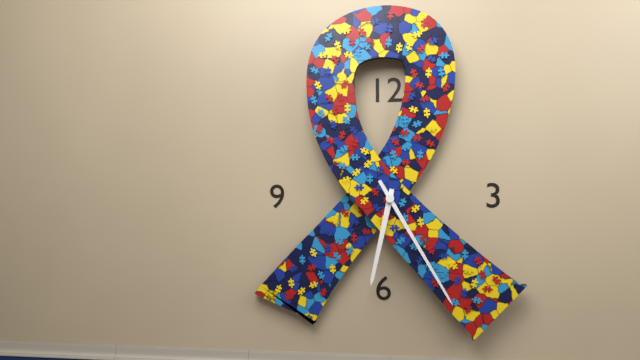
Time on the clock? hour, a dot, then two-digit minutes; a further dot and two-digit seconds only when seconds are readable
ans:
6.25
